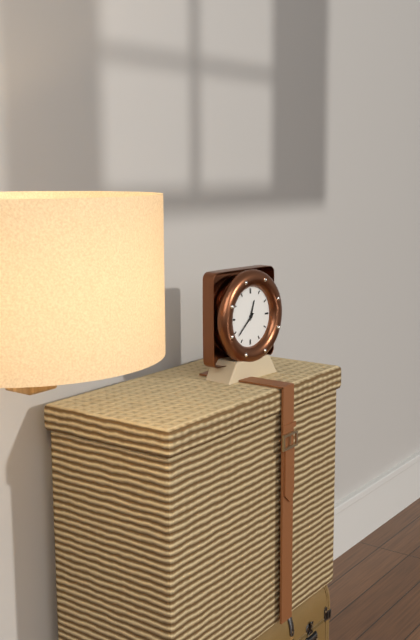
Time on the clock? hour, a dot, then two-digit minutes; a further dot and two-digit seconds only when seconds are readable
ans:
12.38
